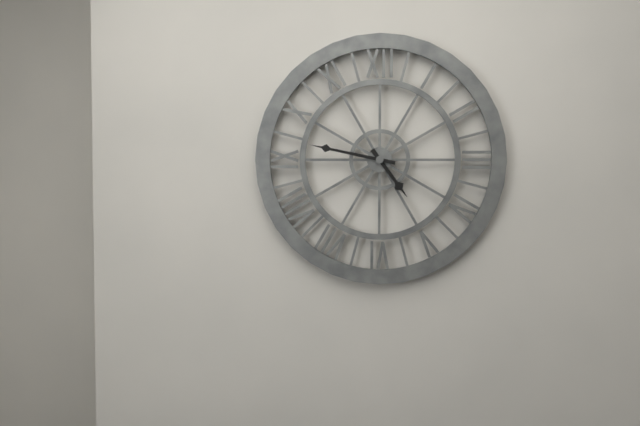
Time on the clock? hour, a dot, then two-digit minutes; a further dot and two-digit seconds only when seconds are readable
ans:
4.47
